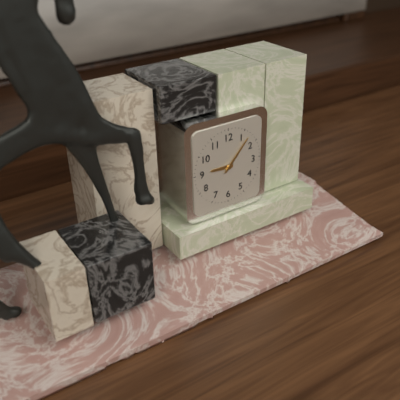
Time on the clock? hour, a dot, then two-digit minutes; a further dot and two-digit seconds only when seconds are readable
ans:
9.07
